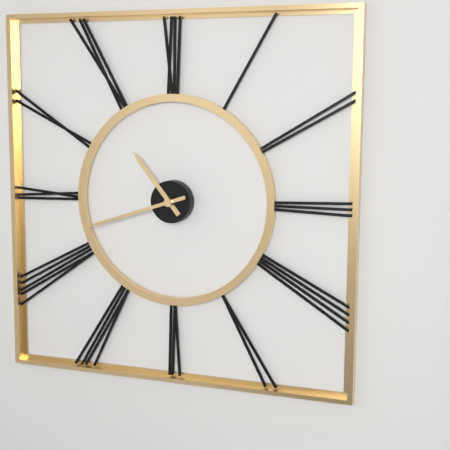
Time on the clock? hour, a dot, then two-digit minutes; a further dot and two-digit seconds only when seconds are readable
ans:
10.42
